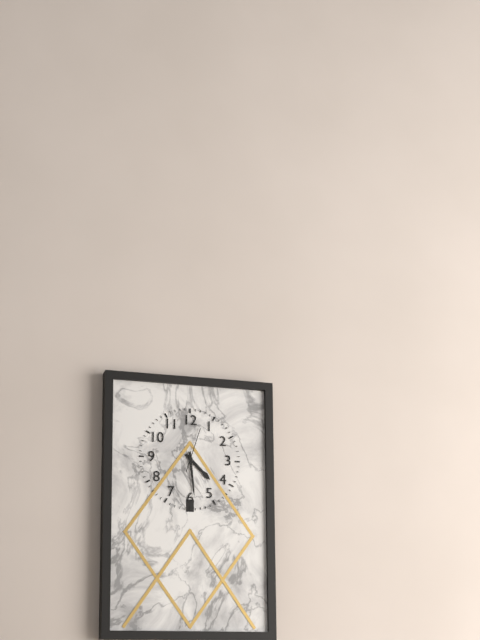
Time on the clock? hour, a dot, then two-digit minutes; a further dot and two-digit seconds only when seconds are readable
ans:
4.29
